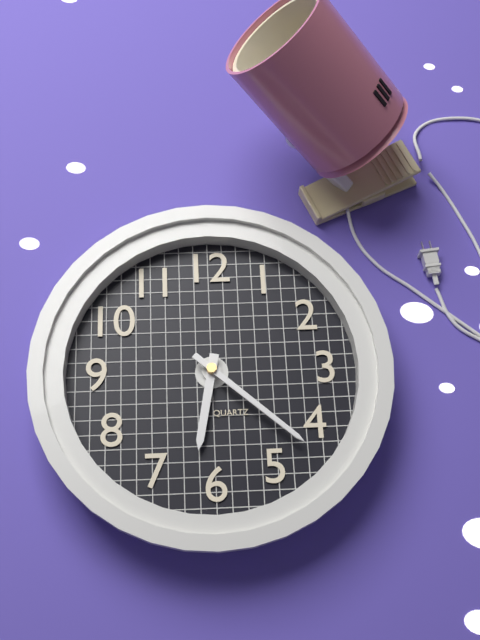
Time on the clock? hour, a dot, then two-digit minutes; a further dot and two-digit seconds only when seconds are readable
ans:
6.22
